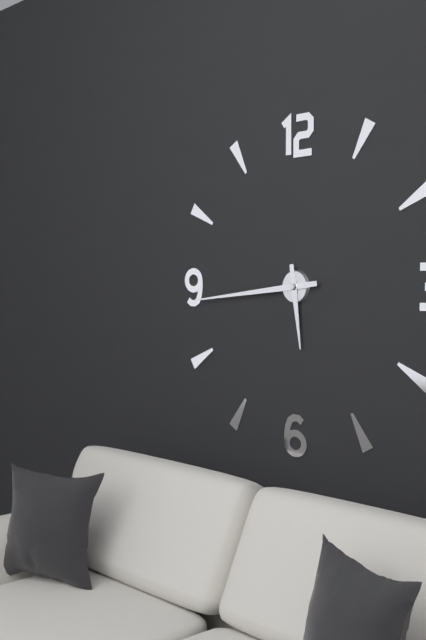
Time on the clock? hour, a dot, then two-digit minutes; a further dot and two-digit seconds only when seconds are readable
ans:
5.44
